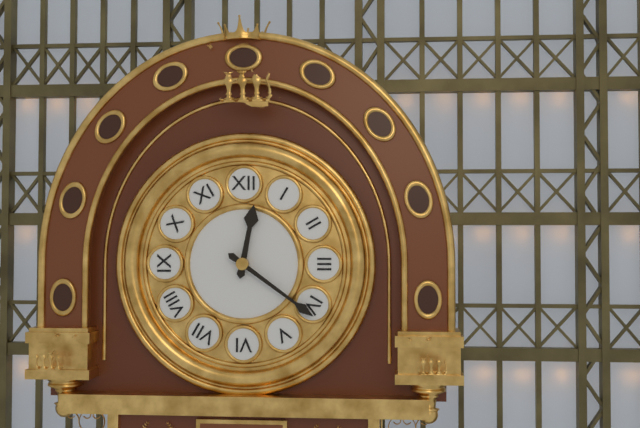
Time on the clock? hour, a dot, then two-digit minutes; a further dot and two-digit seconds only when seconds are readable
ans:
12.21
